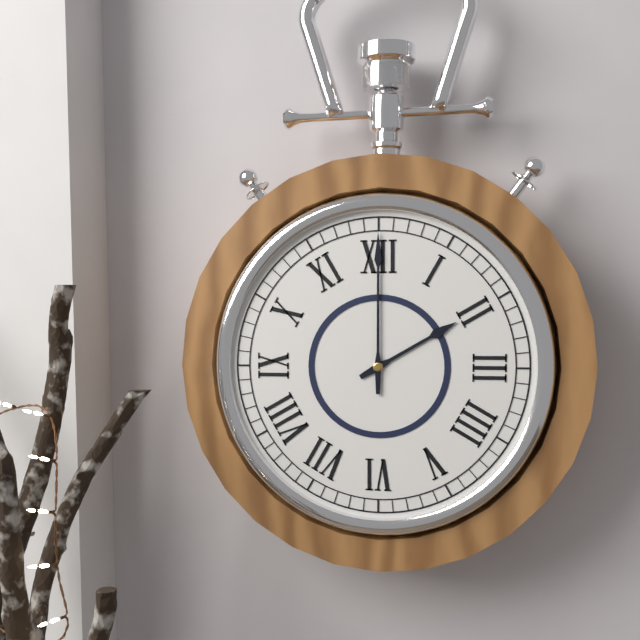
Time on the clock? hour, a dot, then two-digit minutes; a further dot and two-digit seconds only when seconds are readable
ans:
2.00
